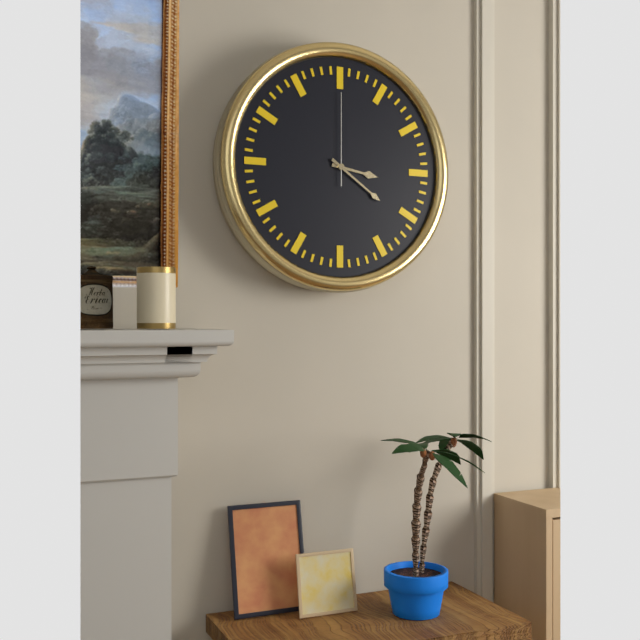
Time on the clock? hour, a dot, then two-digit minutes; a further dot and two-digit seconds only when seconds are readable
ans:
3.21.00
